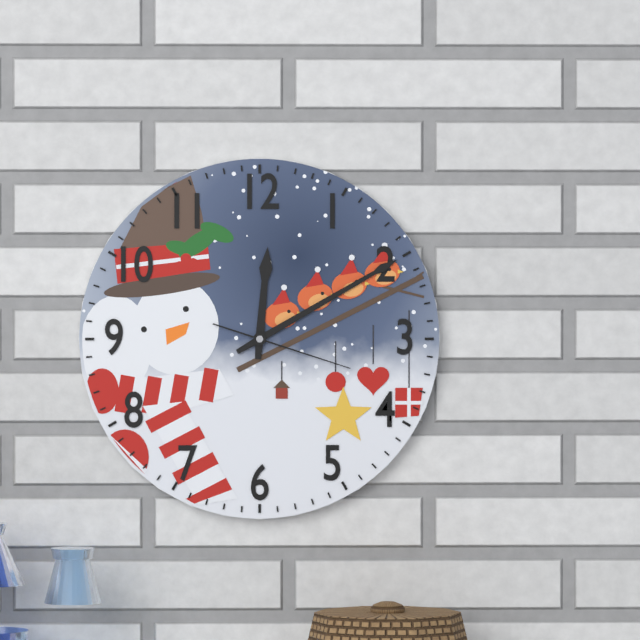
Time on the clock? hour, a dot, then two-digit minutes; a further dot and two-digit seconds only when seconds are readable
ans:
12.10.18
